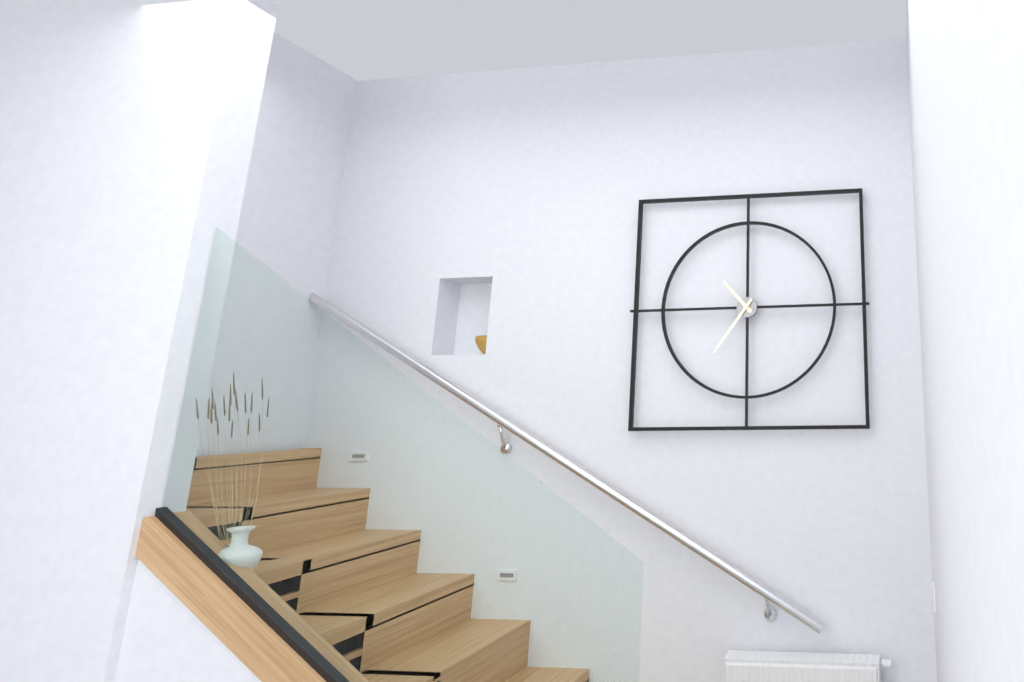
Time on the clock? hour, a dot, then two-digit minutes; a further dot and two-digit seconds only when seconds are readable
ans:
10.36
